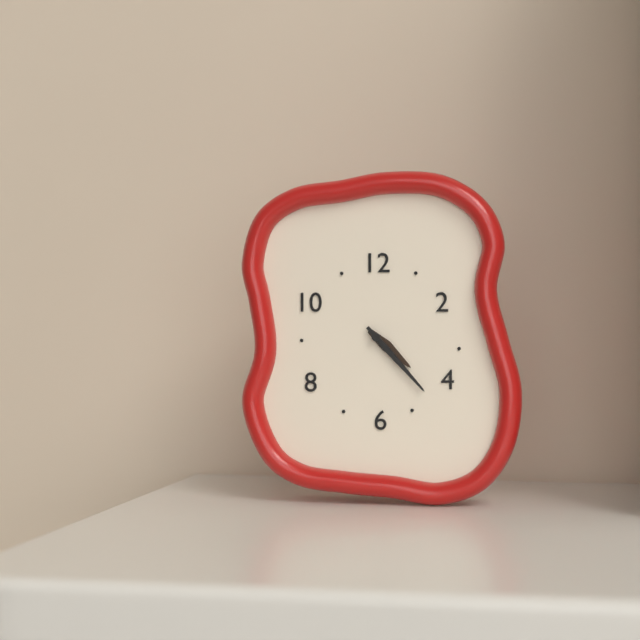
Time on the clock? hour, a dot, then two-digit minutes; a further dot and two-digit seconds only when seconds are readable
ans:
4.23
